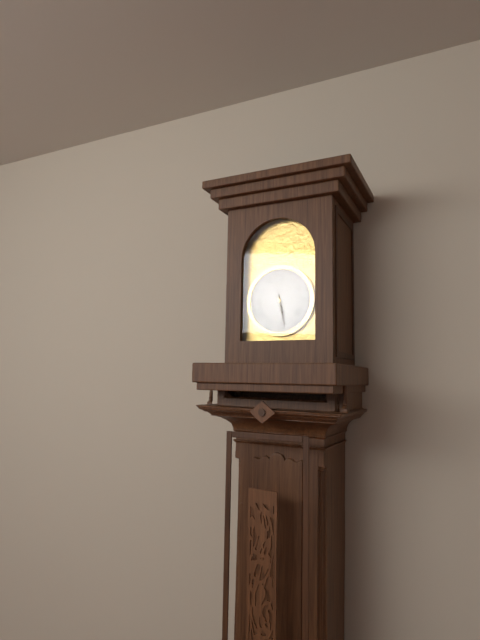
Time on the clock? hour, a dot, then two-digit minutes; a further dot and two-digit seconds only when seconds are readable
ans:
5.28
